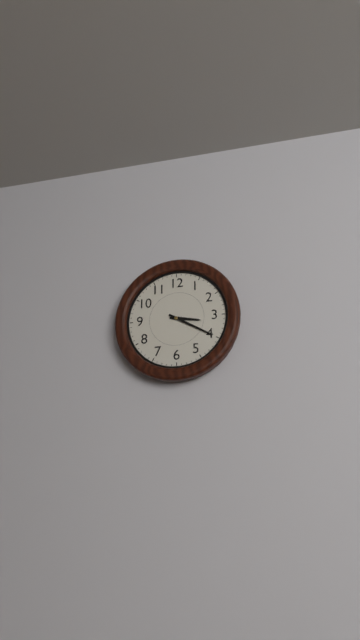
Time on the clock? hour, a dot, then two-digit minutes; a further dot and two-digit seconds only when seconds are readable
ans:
3.20
